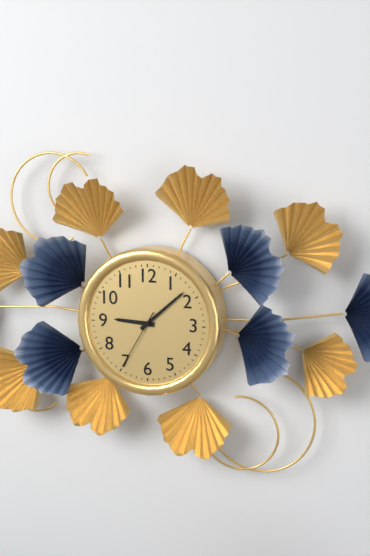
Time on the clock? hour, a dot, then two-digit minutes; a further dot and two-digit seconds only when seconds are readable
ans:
9.08.35
